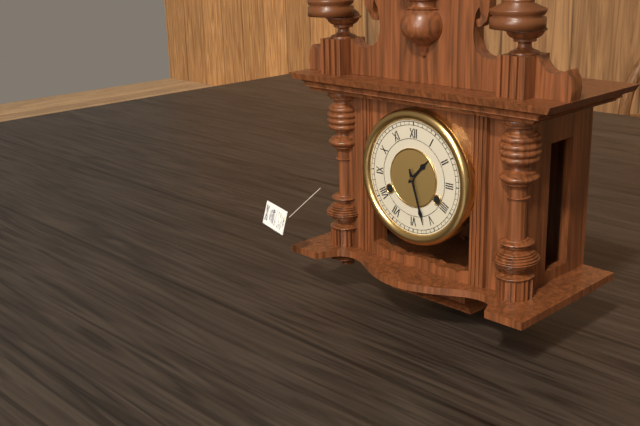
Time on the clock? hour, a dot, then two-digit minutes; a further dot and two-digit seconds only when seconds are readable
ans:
1.27
